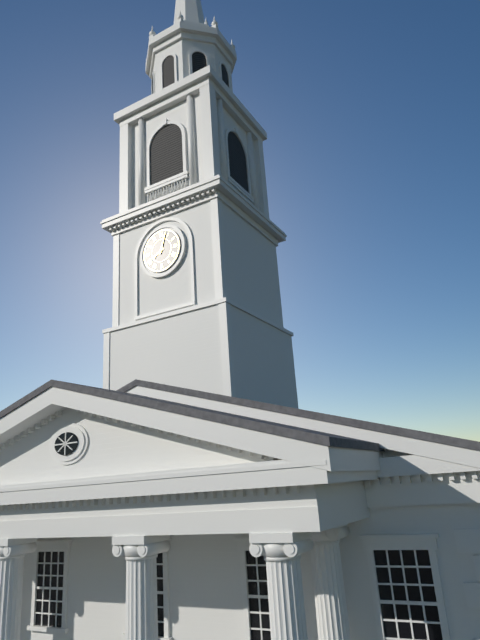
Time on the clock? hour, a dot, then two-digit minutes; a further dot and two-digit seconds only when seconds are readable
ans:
8.03
